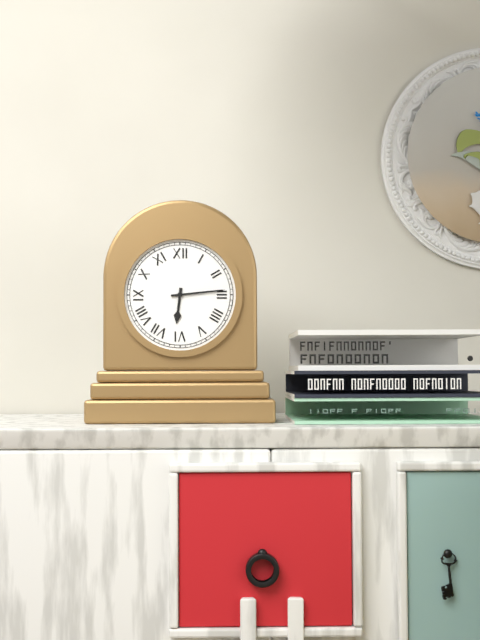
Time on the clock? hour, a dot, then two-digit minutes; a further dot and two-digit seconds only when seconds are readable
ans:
6.14
